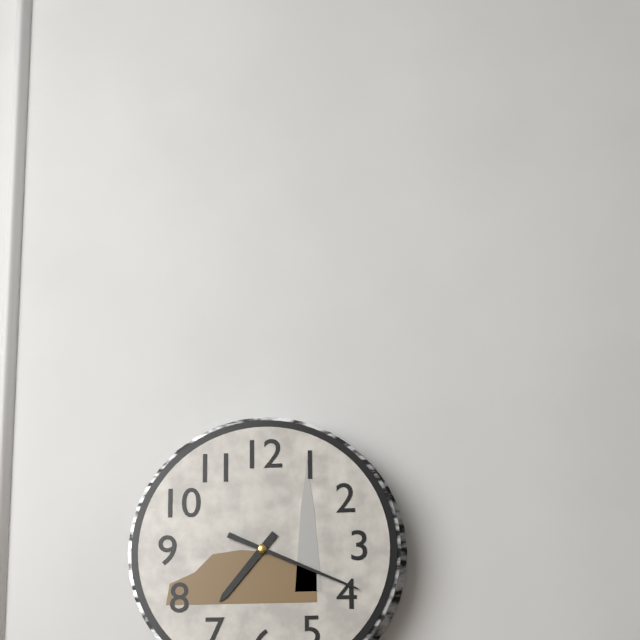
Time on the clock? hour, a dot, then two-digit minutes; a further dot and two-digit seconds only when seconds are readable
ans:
7.19
